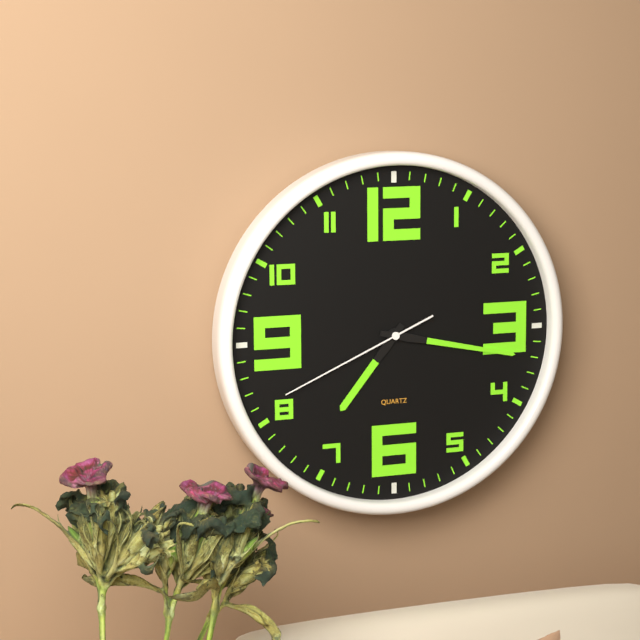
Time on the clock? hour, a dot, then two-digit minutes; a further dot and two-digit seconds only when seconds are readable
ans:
7.17.41
